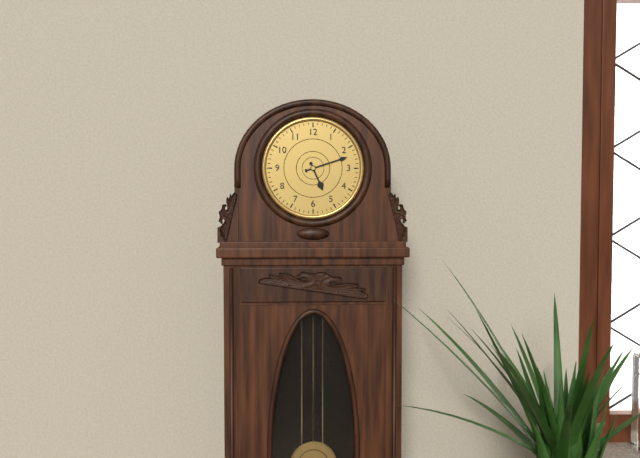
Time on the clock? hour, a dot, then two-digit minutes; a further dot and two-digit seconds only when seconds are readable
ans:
5.12
